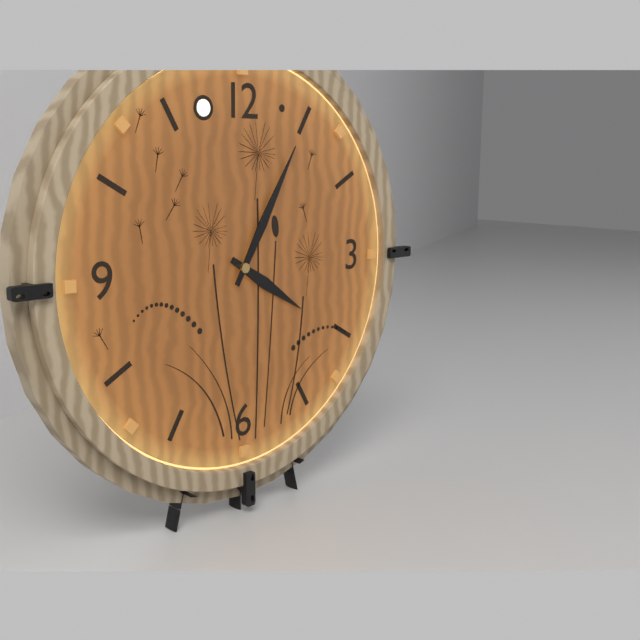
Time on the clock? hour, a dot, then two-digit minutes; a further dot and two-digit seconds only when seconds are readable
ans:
4.05
